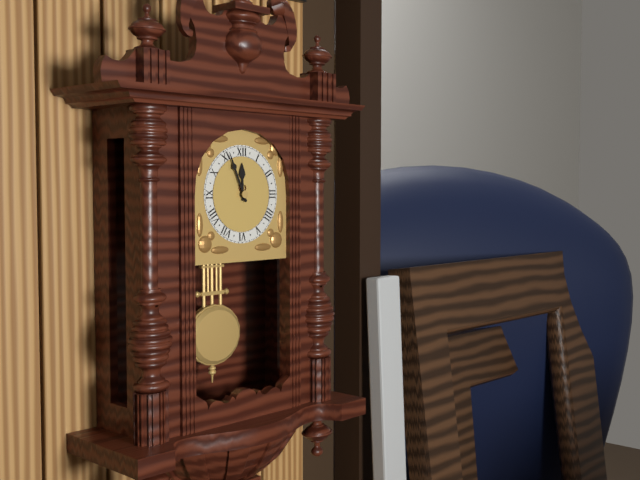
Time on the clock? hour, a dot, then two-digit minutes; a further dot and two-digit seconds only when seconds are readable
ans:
11.56
